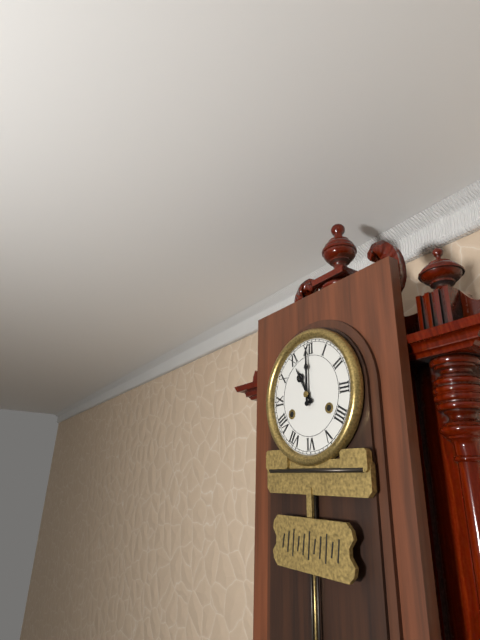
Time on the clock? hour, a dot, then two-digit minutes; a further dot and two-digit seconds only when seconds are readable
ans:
11.00
